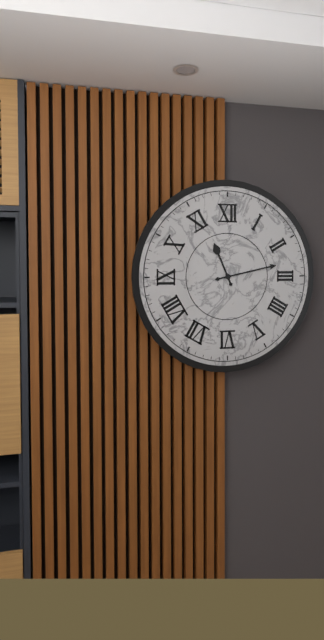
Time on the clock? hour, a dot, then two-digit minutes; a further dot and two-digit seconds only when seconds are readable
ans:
11.13
